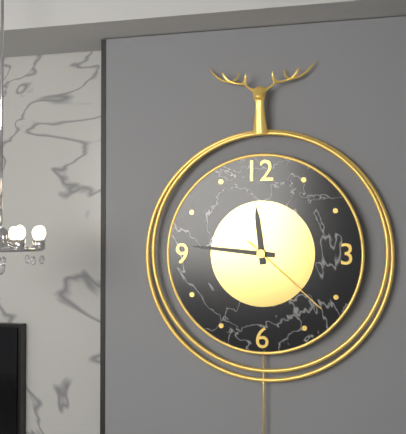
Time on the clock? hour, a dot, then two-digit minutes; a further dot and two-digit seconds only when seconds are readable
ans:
11.46.22
